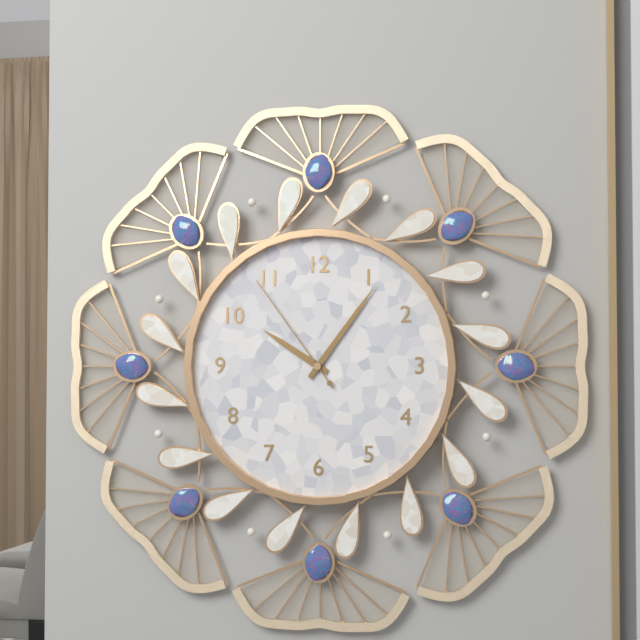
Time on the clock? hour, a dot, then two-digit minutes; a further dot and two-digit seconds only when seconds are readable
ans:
10.06.54
